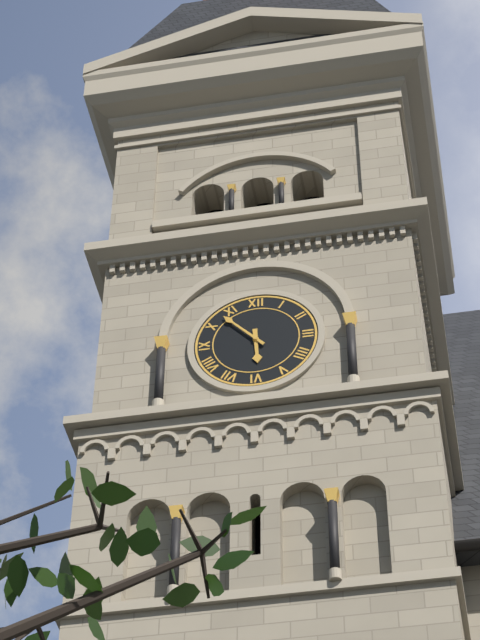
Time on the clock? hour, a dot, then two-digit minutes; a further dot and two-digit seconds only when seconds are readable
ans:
5.53
